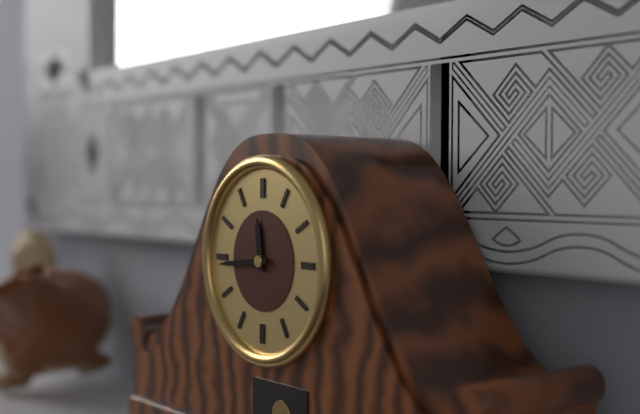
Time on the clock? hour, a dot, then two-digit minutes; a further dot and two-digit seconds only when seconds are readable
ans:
11.44
